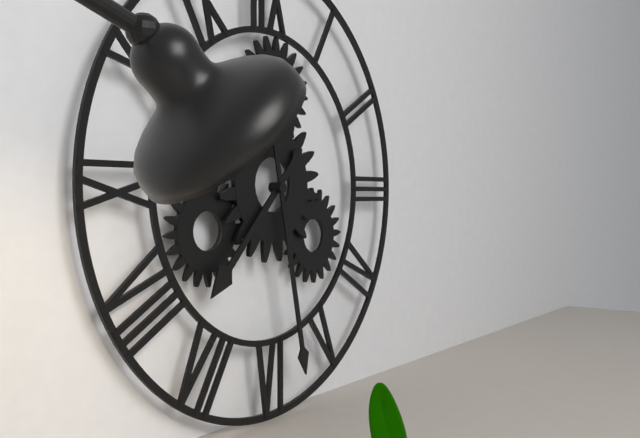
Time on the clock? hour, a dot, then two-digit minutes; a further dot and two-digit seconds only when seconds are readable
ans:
7.28
